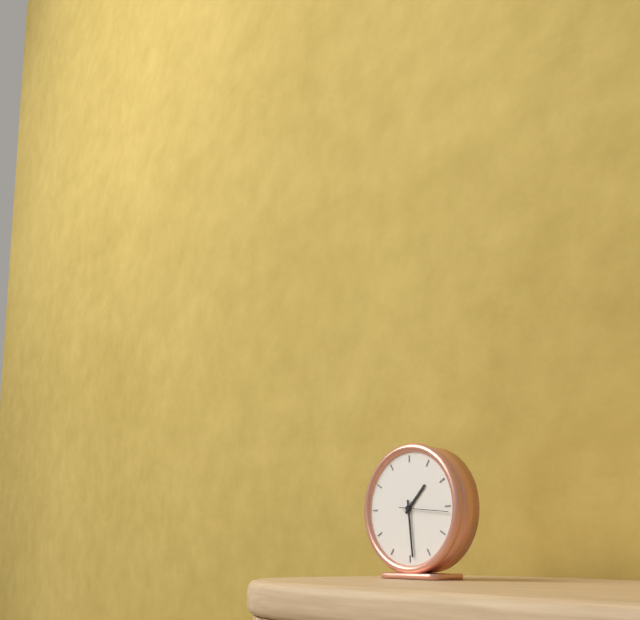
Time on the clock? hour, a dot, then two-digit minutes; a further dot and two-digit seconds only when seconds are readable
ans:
1.29.16
